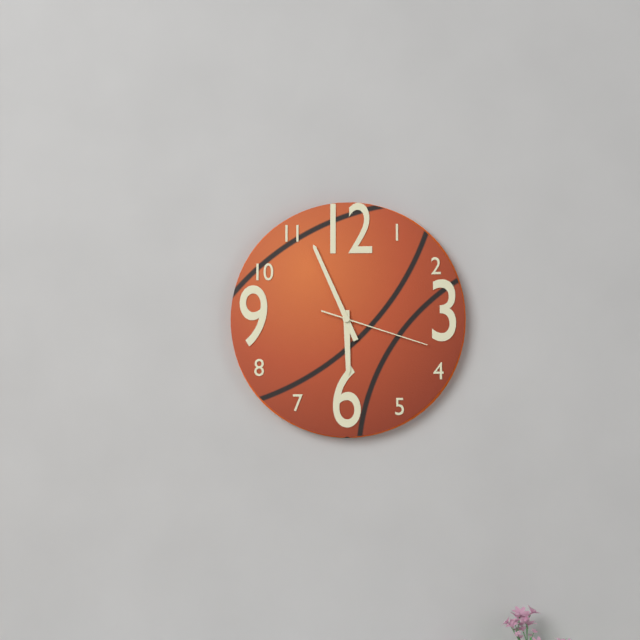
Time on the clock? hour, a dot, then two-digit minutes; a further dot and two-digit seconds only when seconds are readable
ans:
5.56.18
